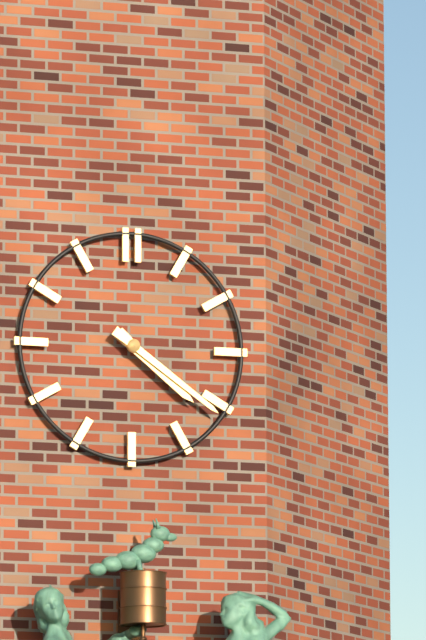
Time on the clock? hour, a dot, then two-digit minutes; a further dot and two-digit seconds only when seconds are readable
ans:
4.21
